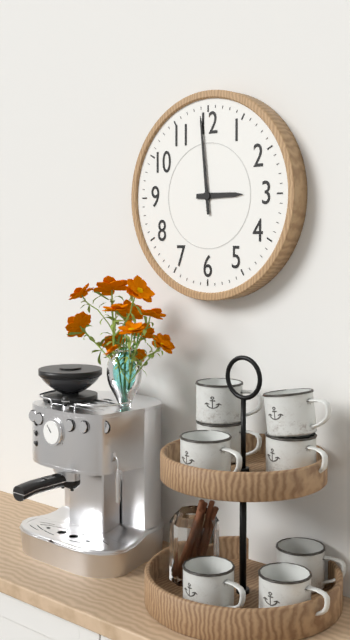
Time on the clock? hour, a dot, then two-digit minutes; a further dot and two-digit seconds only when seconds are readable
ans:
2.59
